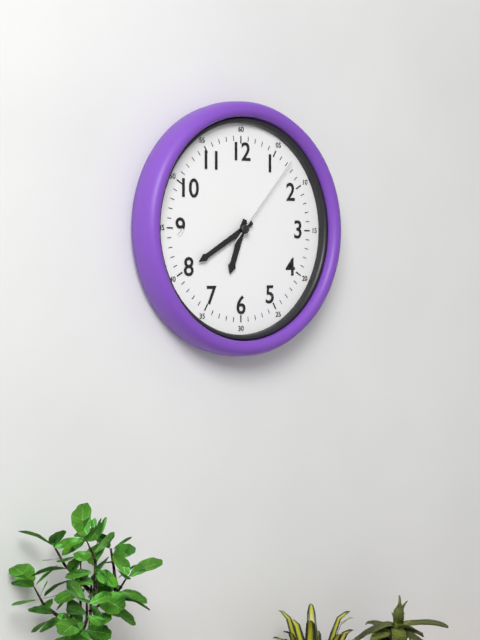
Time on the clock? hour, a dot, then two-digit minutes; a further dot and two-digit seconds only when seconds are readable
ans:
6.40.07
